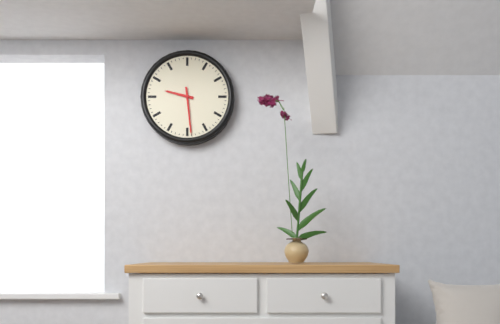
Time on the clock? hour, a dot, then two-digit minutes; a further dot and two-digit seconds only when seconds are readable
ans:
9.29
